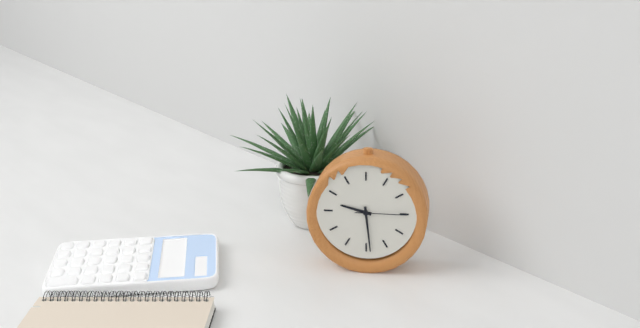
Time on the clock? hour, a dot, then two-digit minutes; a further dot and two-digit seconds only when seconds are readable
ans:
9.29
